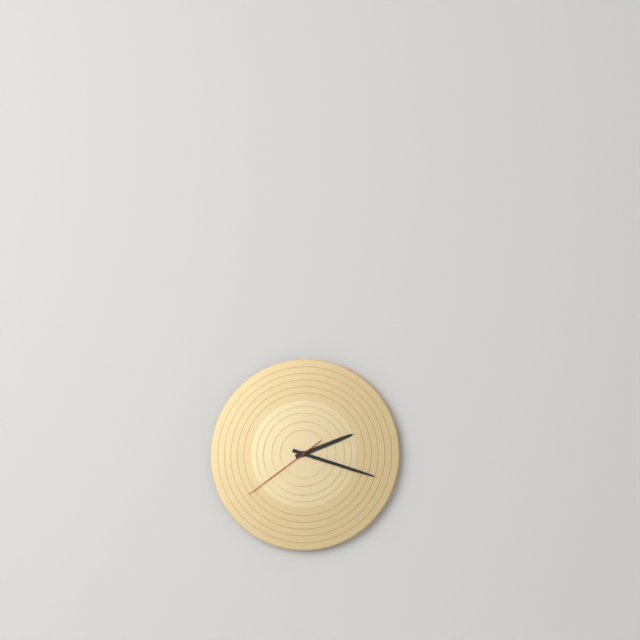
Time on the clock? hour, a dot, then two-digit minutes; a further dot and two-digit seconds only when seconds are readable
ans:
2.18.39
